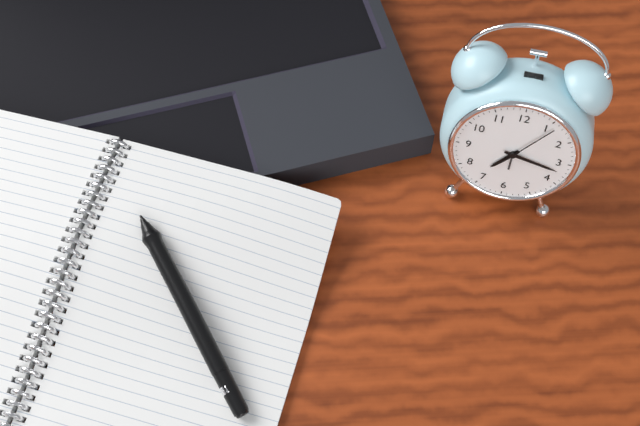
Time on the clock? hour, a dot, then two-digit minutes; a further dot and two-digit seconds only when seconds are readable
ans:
7.17.06
